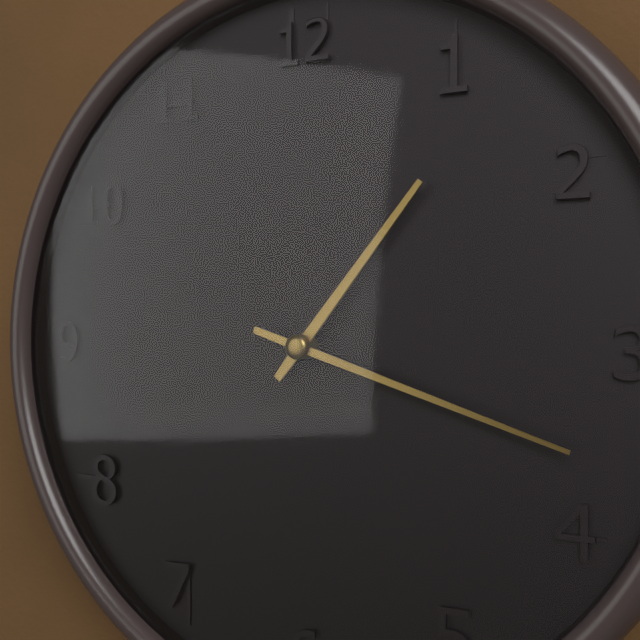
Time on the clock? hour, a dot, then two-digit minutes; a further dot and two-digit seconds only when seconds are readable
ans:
1.18
